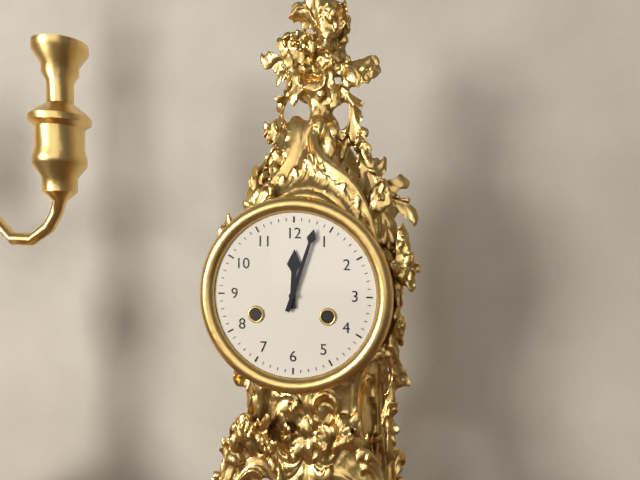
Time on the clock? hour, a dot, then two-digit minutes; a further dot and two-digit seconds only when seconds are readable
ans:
12.03
